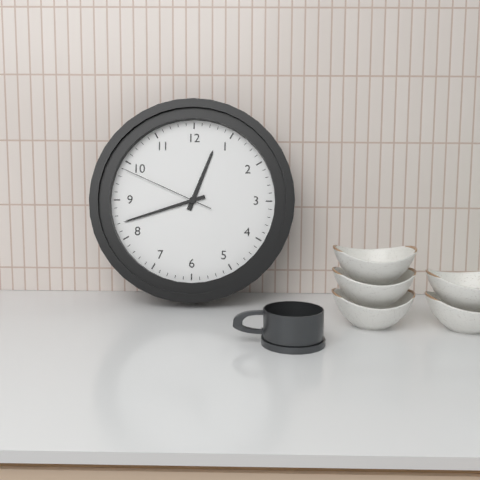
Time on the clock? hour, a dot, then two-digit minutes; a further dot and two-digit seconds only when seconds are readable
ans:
12.42.49
